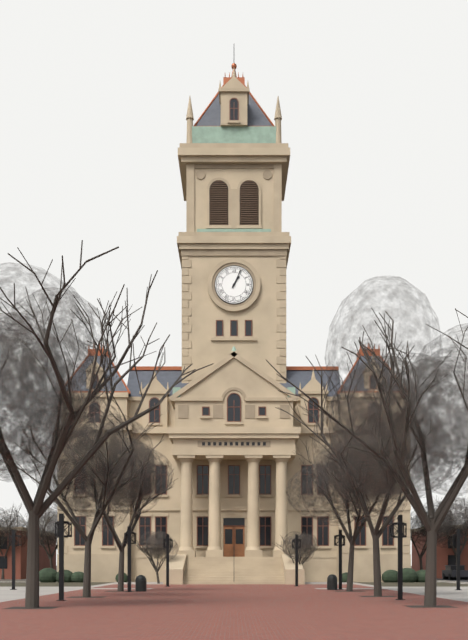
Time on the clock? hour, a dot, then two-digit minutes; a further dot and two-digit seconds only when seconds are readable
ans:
1.04
